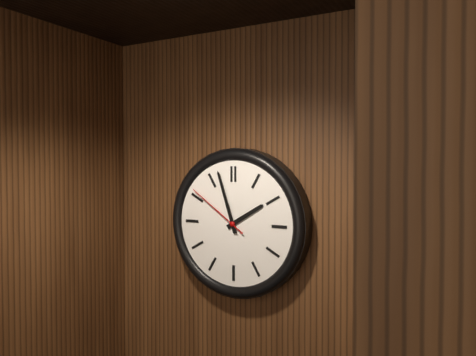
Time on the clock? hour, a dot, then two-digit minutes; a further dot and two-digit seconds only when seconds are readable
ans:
1.57.51
